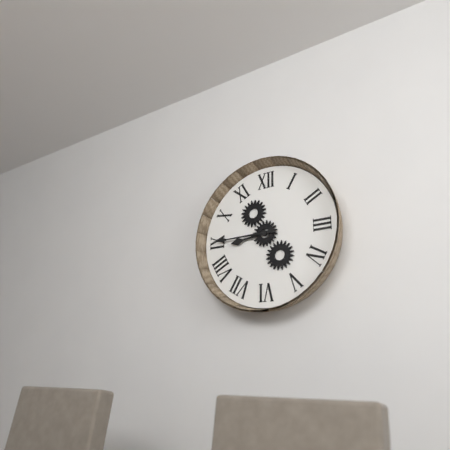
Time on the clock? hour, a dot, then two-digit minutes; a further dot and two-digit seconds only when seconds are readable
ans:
8.45
